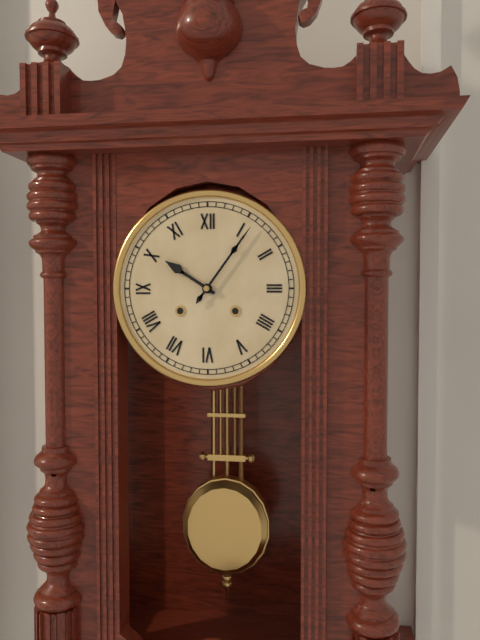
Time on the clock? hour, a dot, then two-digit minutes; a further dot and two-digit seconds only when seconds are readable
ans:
10.06
